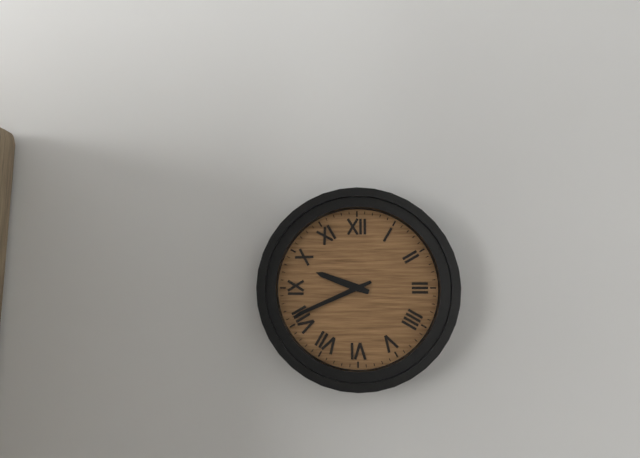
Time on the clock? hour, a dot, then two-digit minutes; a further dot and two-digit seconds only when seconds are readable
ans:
9.41
